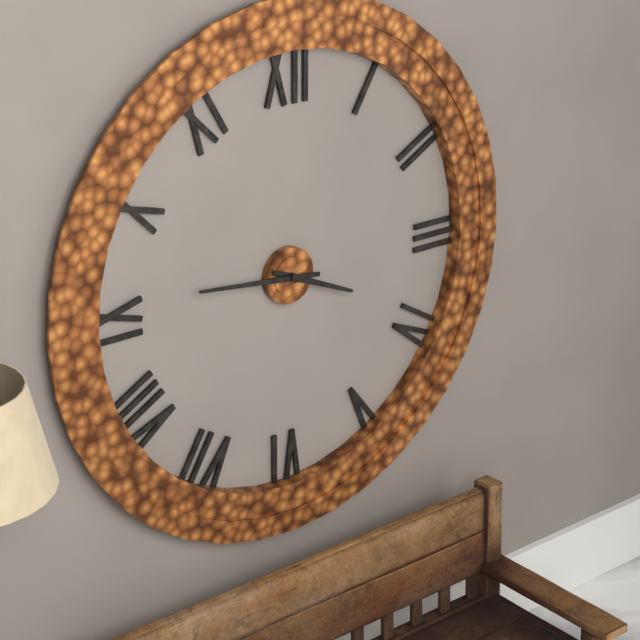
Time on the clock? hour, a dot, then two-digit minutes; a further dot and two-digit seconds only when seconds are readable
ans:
3.46
